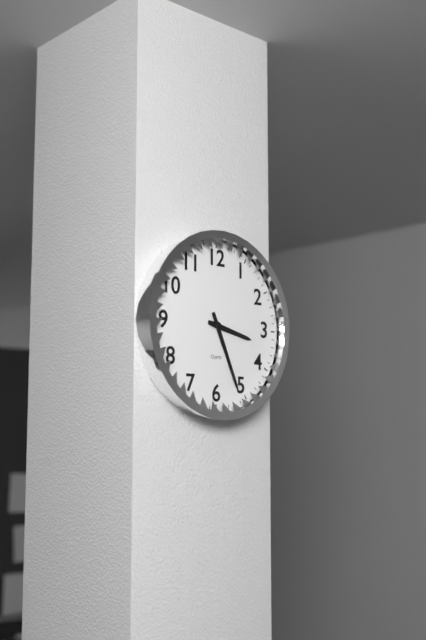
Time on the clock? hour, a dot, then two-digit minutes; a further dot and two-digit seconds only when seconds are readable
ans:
3.26
